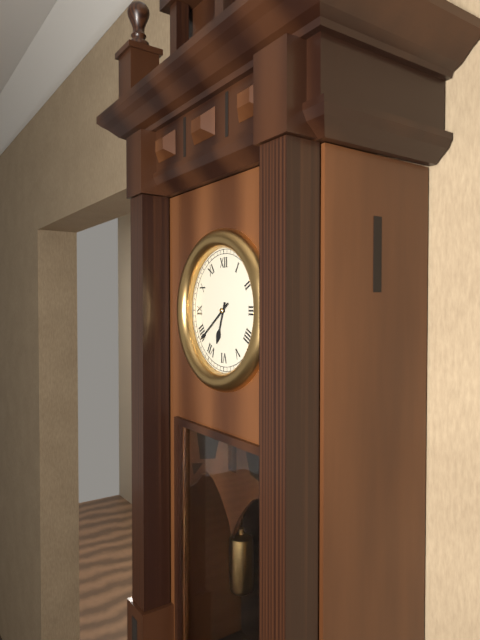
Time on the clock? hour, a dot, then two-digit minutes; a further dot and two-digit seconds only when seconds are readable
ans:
6.39
